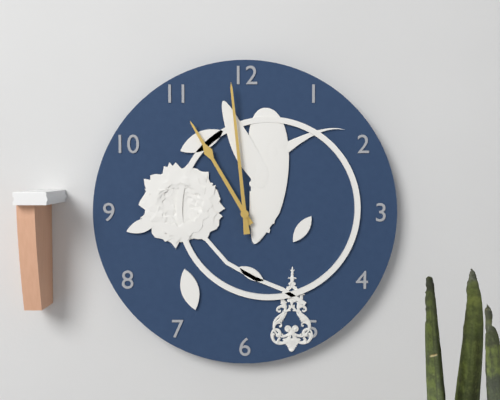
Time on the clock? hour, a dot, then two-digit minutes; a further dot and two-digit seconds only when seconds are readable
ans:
10.59
